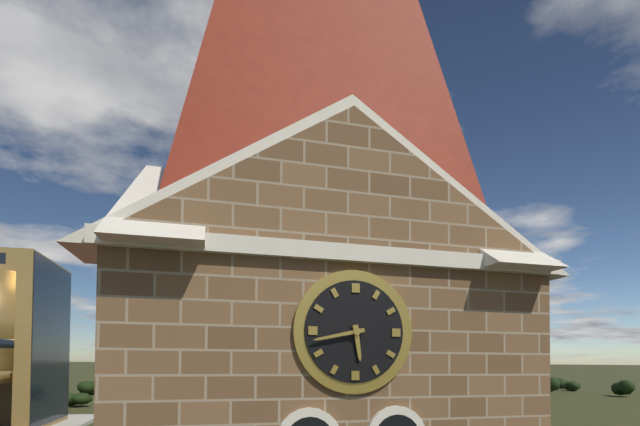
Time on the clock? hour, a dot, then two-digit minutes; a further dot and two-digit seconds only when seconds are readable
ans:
5.43
